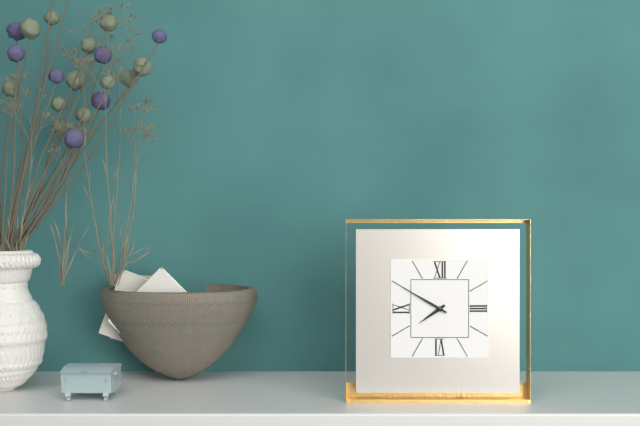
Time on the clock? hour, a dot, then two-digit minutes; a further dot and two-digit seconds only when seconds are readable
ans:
7.50
